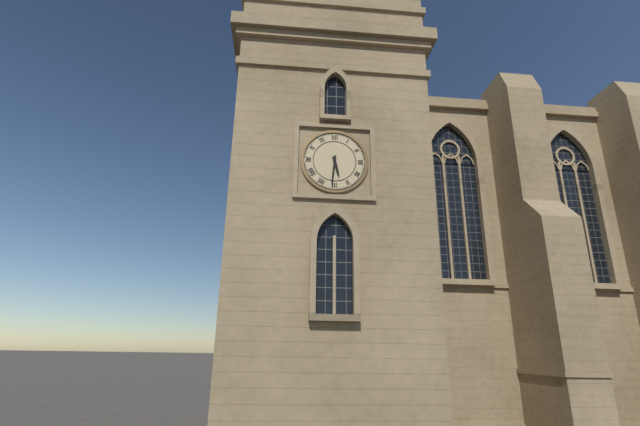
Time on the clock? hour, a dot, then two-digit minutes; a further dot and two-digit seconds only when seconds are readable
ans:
5.31
